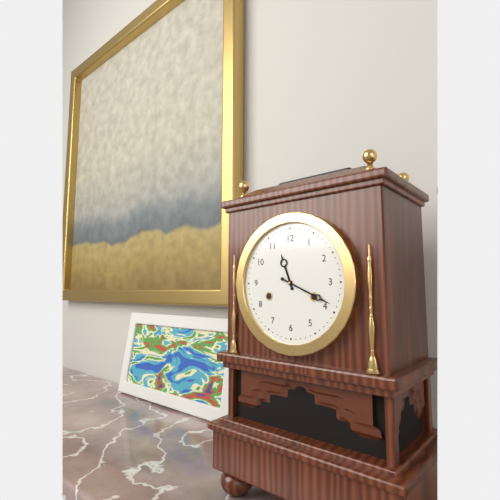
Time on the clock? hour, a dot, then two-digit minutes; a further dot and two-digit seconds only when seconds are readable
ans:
11.19
